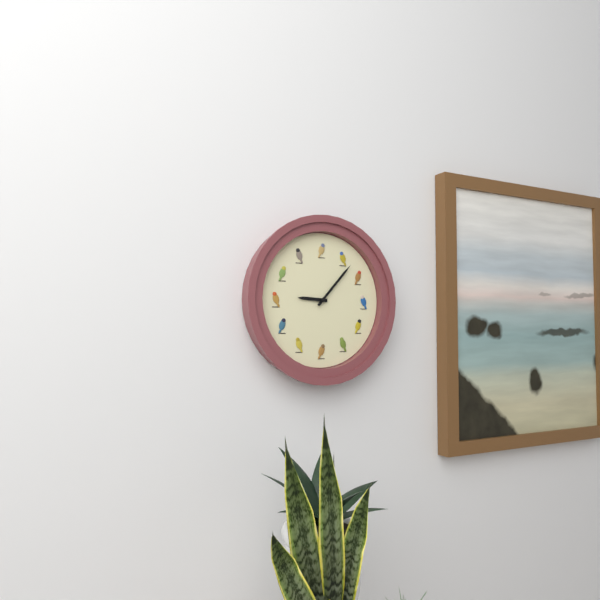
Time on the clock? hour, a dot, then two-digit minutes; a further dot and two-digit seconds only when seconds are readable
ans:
9.07
